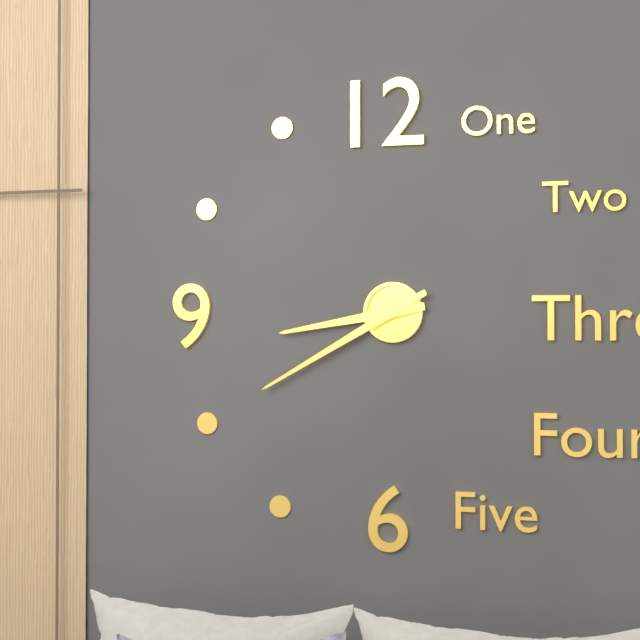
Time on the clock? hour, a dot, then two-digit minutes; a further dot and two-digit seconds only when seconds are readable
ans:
8.40
